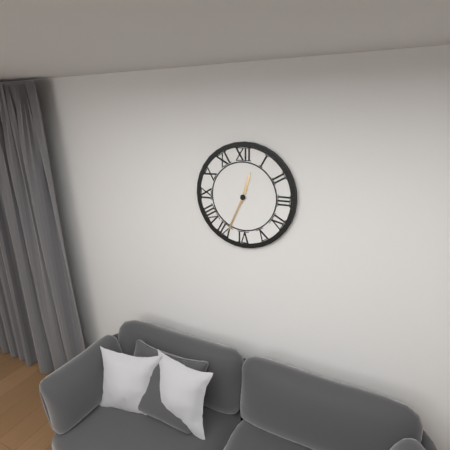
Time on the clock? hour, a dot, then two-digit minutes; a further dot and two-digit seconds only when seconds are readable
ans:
12.34
